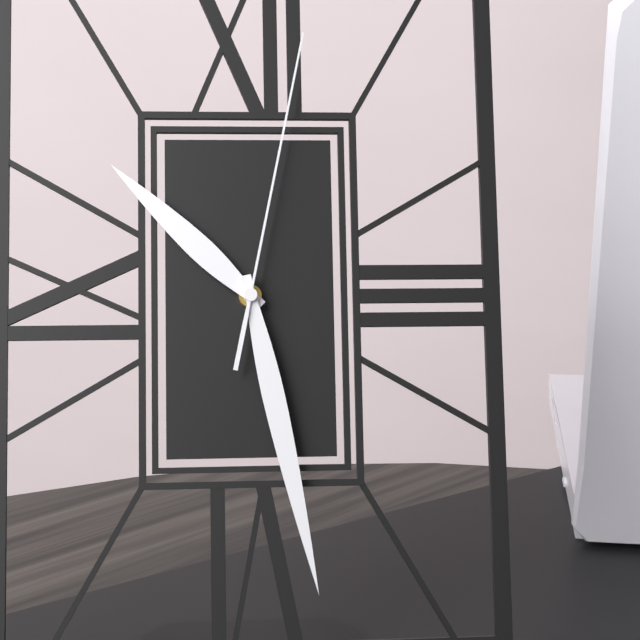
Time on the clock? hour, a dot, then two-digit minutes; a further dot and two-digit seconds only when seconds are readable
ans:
10.28.02
